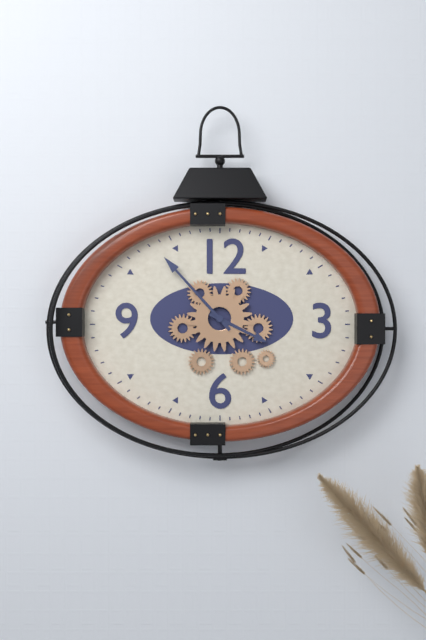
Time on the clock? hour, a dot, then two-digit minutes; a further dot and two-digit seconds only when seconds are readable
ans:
3.53
